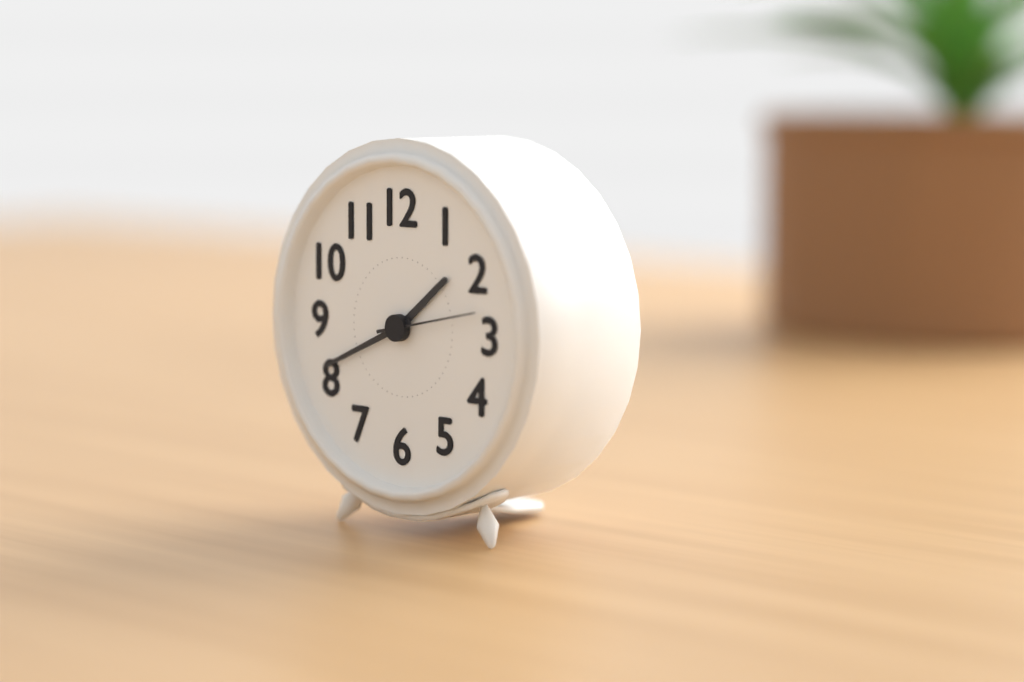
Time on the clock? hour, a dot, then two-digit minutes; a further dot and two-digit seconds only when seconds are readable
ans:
1.41.13
